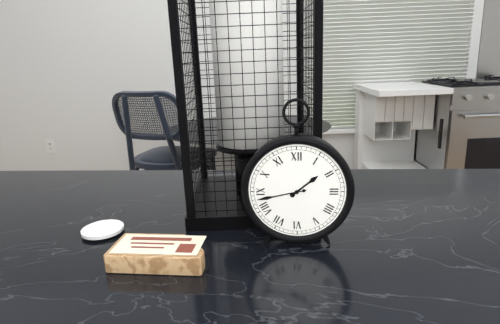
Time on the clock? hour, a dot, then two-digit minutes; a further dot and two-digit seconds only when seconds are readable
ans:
1.43
